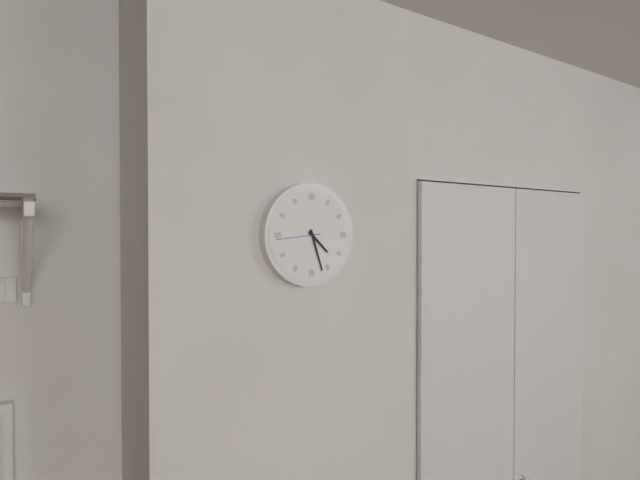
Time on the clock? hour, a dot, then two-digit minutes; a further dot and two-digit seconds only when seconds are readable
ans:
4.27
